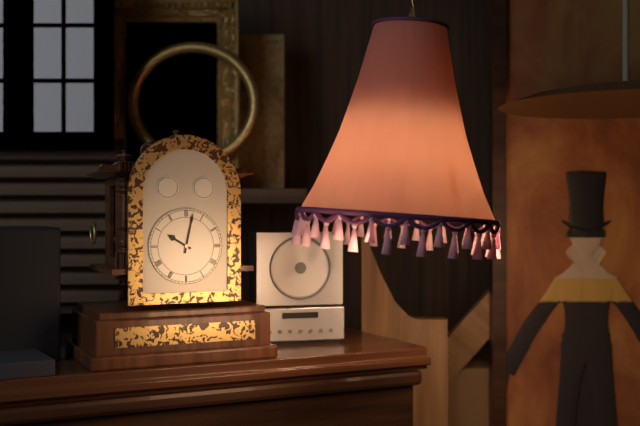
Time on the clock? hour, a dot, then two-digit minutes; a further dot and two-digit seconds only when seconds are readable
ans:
10.02
